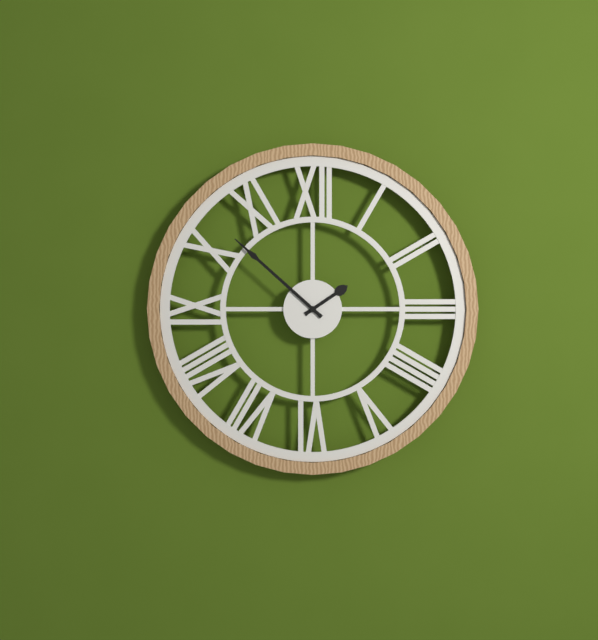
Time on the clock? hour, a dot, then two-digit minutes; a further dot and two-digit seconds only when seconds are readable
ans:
1.52
